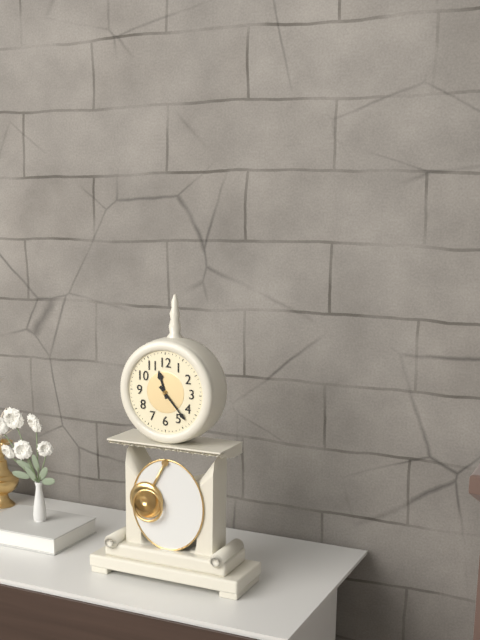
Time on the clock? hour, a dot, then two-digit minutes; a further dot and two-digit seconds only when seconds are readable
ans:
11.23
